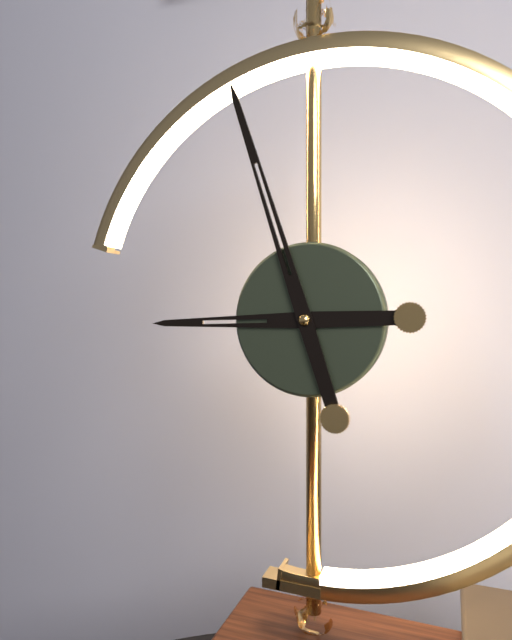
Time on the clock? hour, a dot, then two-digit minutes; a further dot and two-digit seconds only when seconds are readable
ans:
8.57
